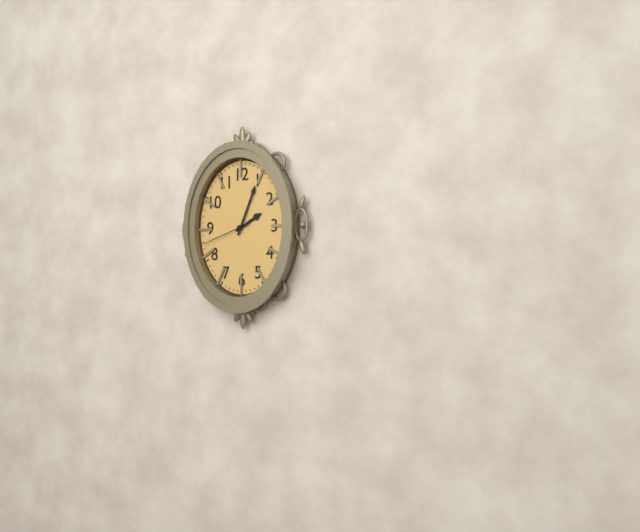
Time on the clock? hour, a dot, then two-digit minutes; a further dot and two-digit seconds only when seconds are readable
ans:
2.04.42
